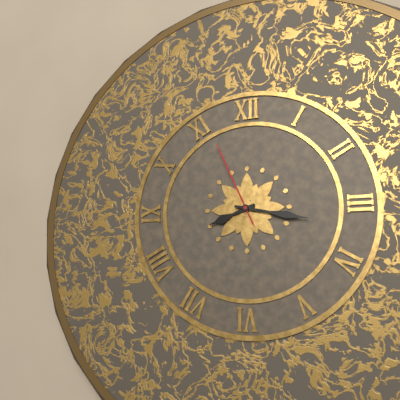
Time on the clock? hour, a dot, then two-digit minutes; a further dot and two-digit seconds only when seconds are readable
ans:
8.17.56
